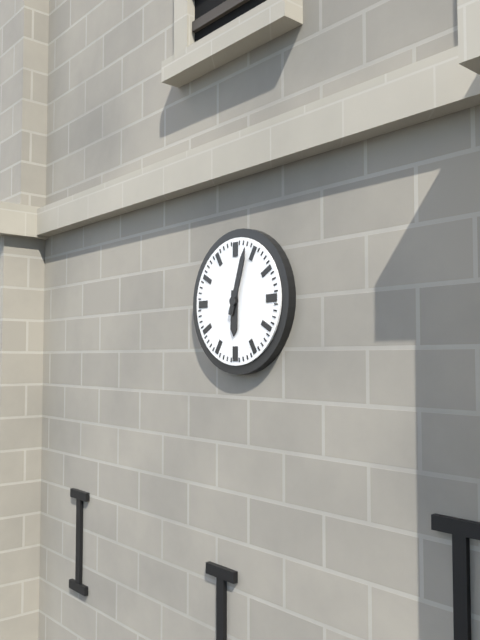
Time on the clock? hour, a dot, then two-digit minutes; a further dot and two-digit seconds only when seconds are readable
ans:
6.03
